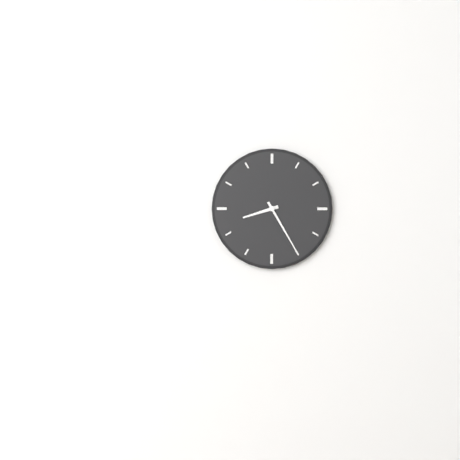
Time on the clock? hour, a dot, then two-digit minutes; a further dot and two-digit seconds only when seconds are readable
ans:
8.25
